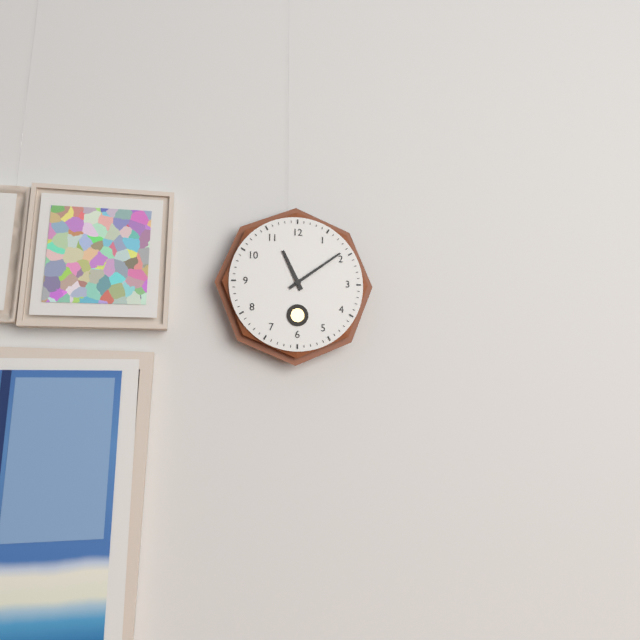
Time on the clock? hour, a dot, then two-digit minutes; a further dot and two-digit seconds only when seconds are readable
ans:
11.09
